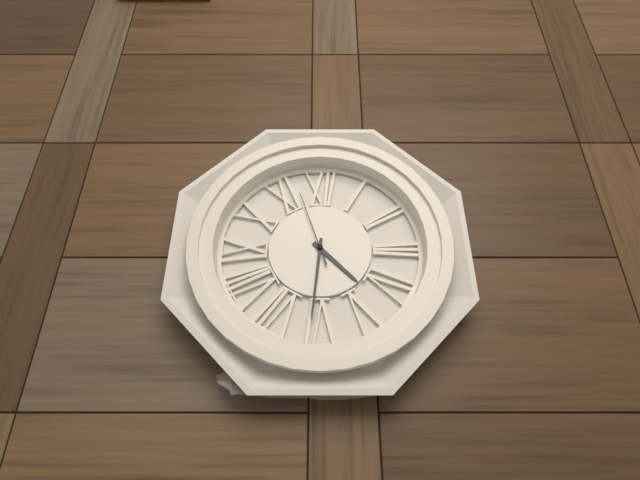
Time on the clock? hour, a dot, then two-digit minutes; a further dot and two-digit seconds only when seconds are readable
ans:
4.31.57
